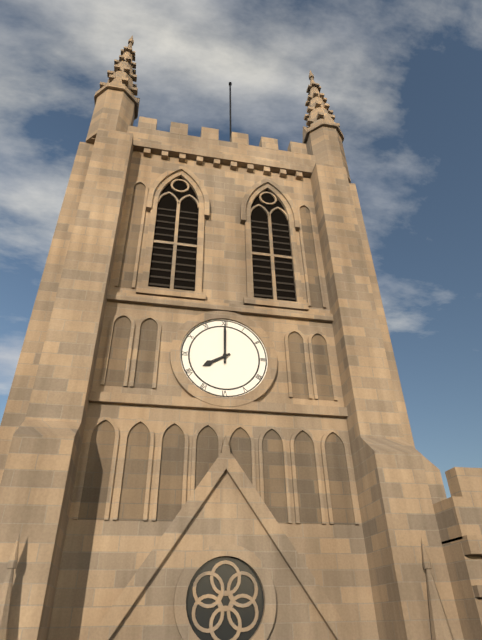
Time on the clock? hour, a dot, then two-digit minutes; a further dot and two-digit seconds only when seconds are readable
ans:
8.00
